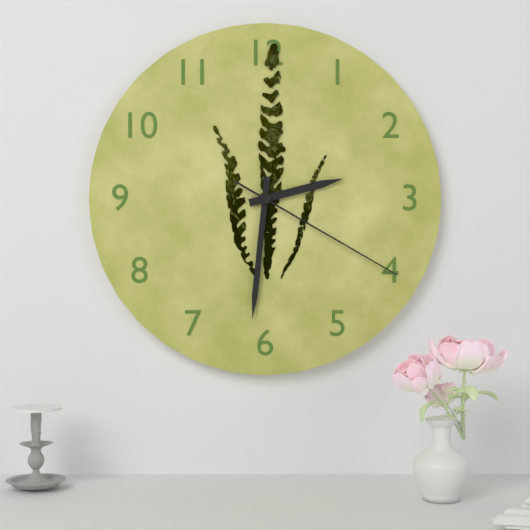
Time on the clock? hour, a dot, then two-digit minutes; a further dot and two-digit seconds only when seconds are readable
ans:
2.31.20
